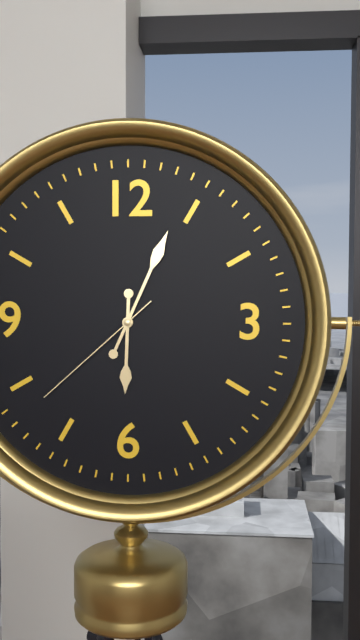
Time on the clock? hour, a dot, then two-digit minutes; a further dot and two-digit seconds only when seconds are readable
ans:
6.04.38
